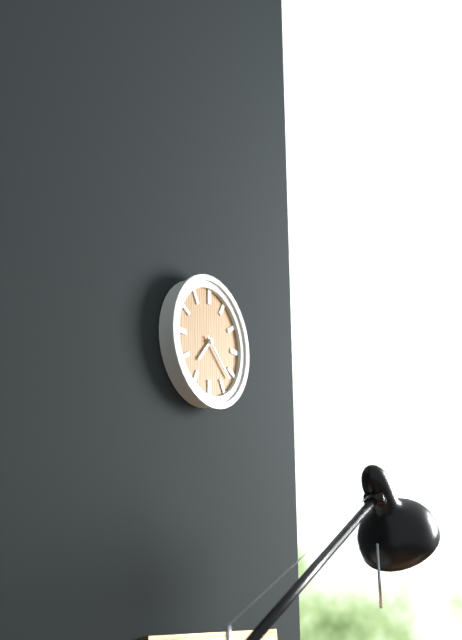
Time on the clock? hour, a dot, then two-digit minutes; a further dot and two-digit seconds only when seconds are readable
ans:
7.22
